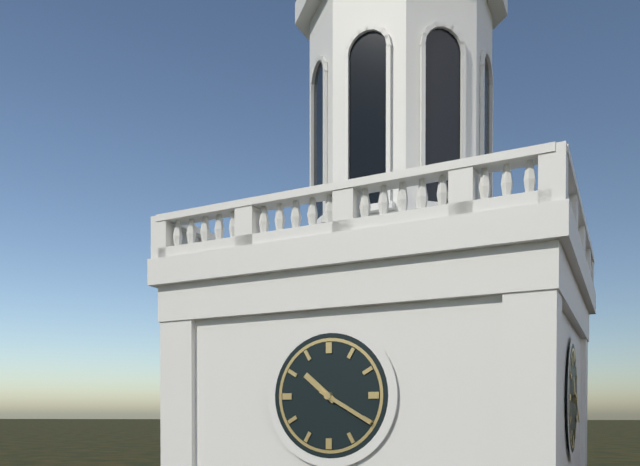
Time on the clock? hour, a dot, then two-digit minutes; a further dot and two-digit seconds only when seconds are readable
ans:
10.20
